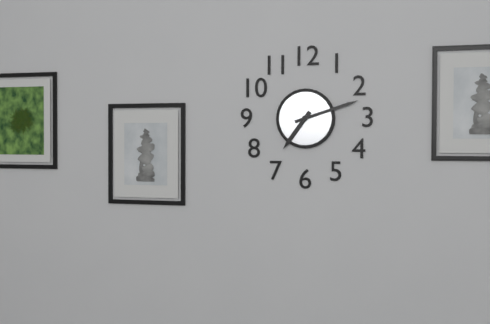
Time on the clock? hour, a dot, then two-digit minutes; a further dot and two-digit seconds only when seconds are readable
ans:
7.12
